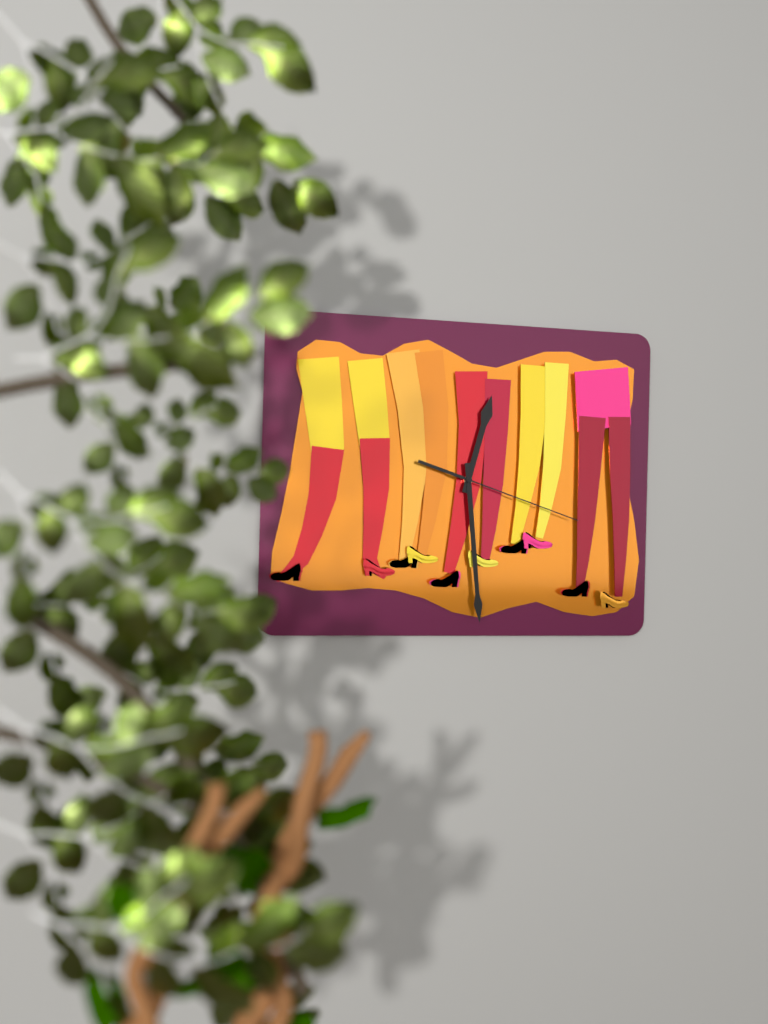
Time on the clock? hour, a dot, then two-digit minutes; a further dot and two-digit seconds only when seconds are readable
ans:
12.29.18
